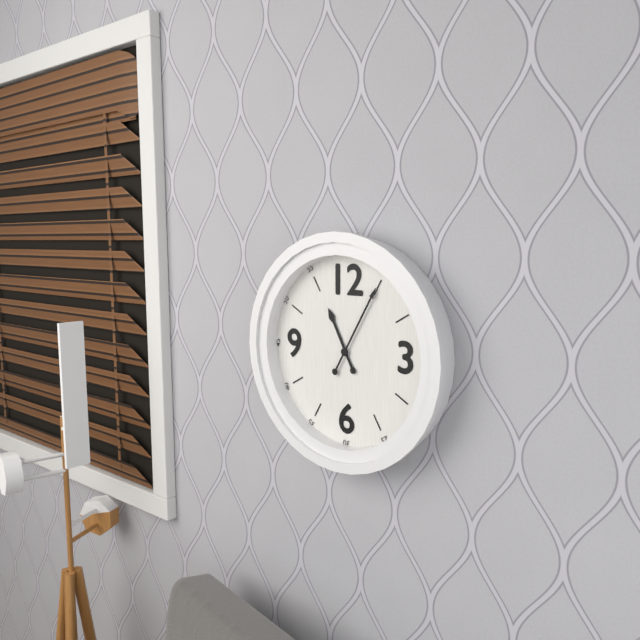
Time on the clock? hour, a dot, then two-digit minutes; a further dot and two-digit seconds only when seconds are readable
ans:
11.05
